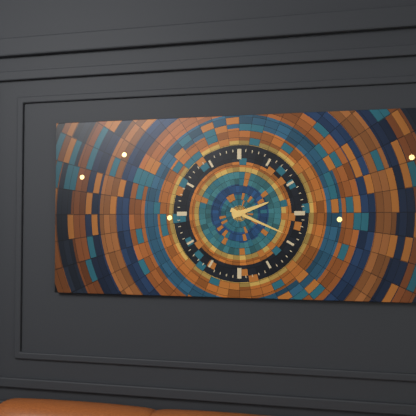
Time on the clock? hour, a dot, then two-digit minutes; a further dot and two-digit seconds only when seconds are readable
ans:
2.19
